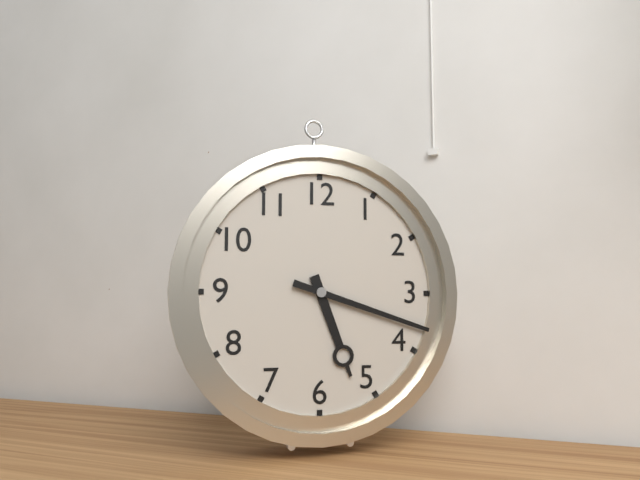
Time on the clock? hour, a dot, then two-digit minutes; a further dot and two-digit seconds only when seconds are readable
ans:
5.18
